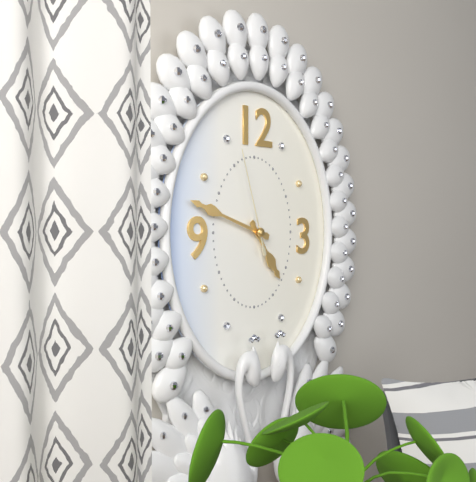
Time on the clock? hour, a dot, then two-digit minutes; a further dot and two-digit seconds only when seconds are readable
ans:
4.48.57
